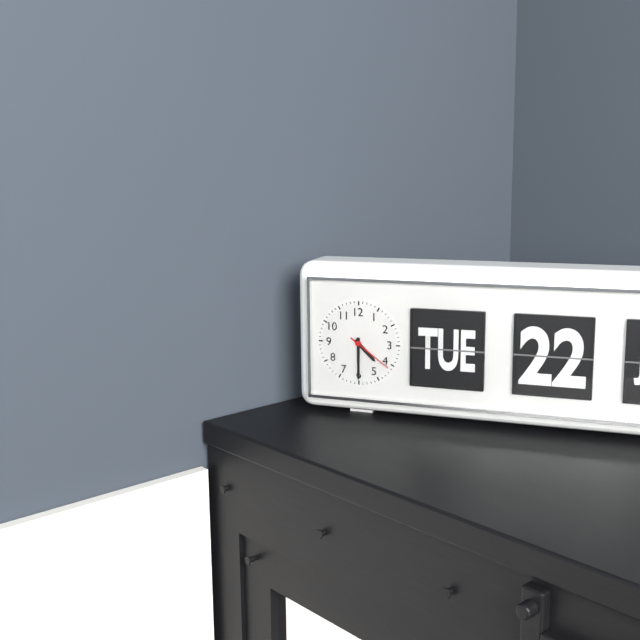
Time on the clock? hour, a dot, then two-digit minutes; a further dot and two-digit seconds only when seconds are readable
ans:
4.30
